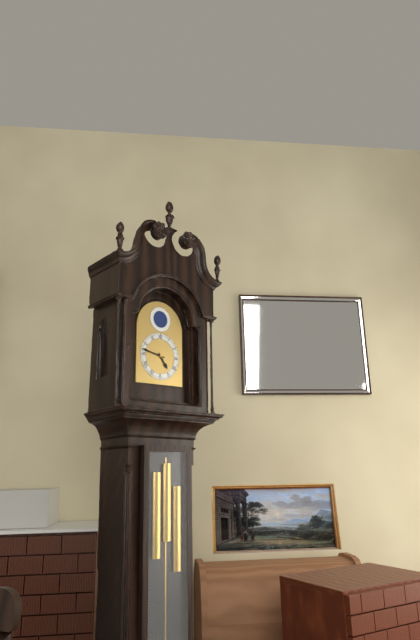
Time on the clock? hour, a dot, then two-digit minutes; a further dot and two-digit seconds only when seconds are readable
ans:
4.47
